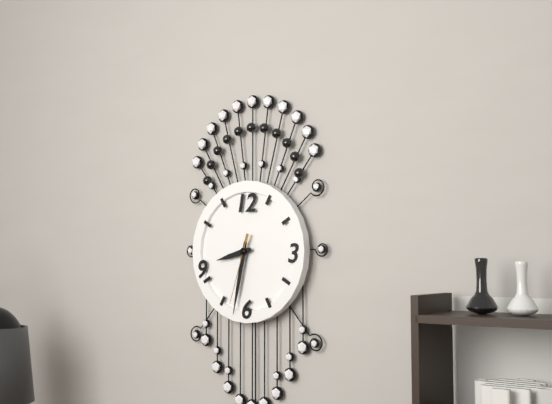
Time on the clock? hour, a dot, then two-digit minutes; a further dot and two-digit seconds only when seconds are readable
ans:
8.32.33
